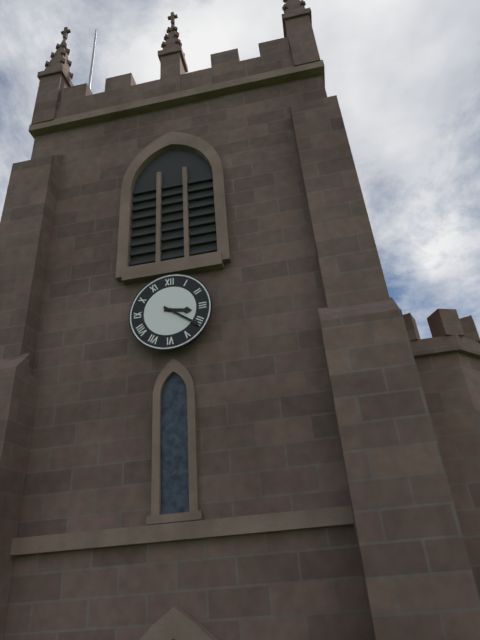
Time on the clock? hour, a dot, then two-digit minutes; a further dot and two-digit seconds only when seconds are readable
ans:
3.21
